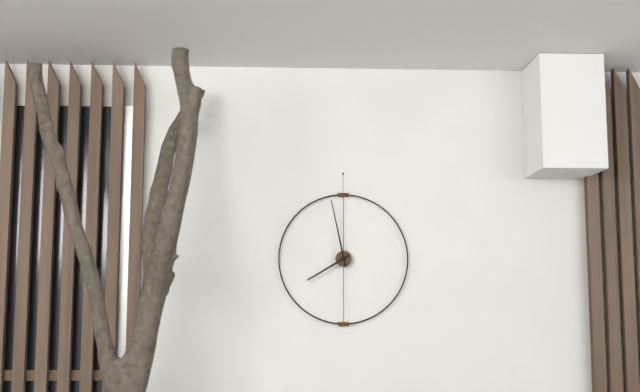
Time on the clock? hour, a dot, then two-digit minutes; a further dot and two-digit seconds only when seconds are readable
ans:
7.58
